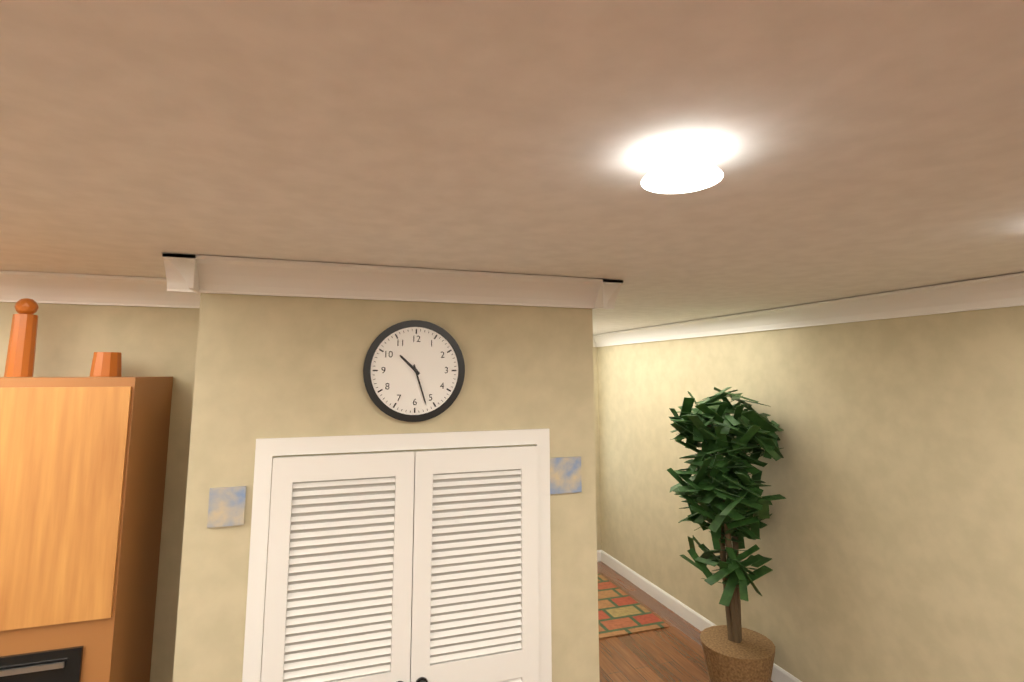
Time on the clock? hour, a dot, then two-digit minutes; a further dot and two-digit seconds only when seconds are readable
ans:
10.27
